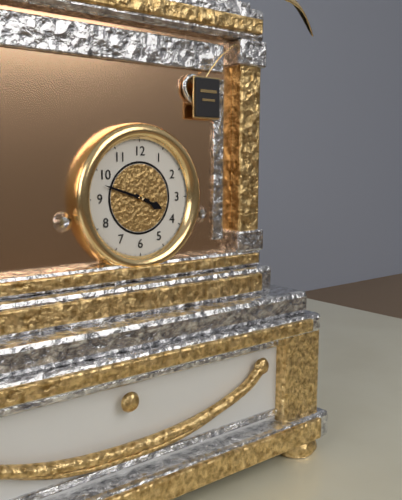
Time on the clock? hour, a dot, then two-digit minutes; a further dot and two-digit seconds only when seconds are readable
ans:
3.48
